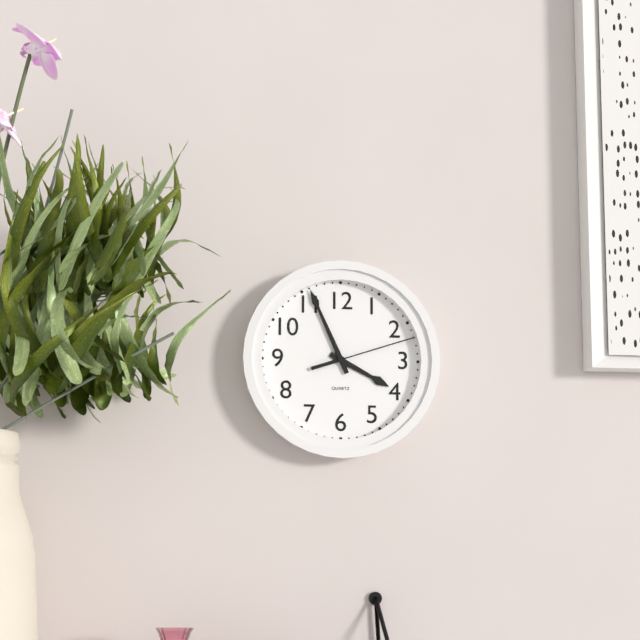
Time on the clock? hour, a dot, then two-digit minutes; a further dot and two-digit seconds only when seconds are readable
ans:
3.56.12
